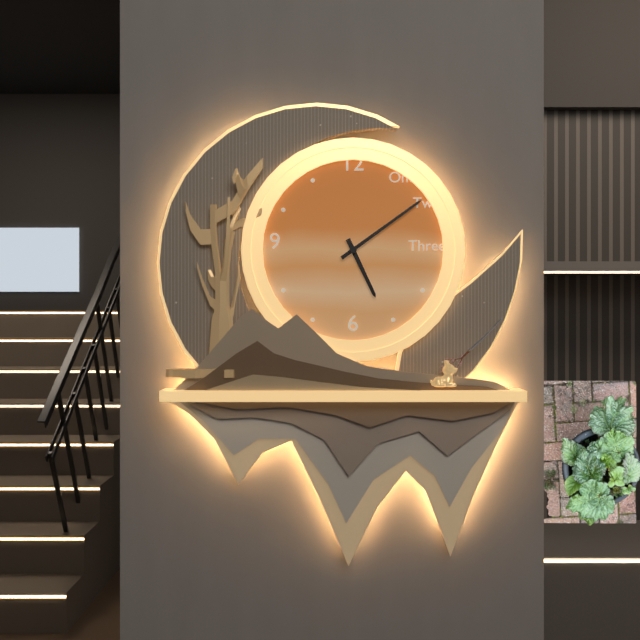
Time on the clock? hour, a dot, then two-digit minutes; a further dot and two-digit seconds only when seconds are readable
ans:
5.09
